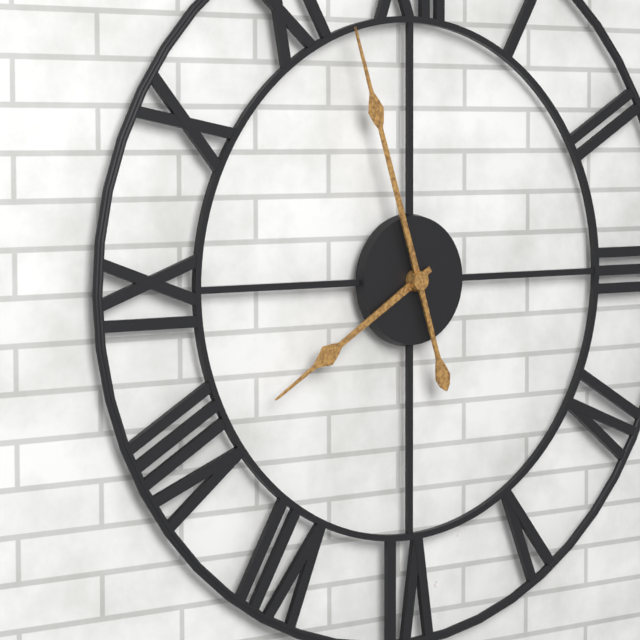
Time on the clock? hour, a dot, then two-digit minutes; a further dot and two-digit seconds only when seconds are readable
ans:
7.57
